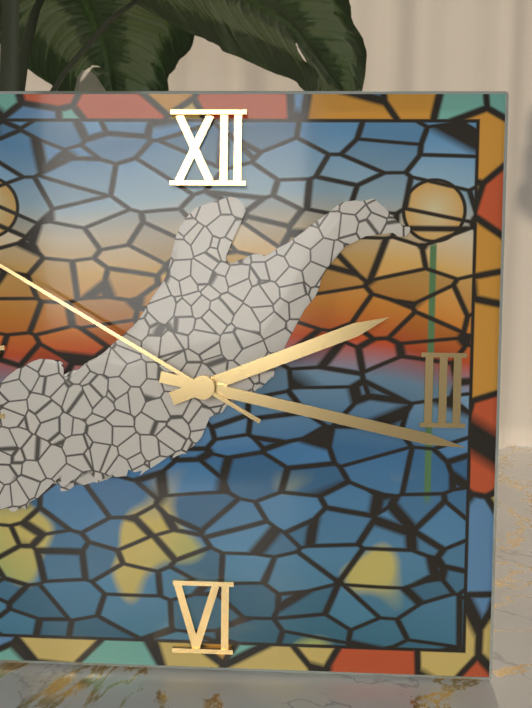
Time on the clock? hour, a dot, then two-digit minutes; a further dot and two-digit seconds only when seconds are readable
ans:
2.17
